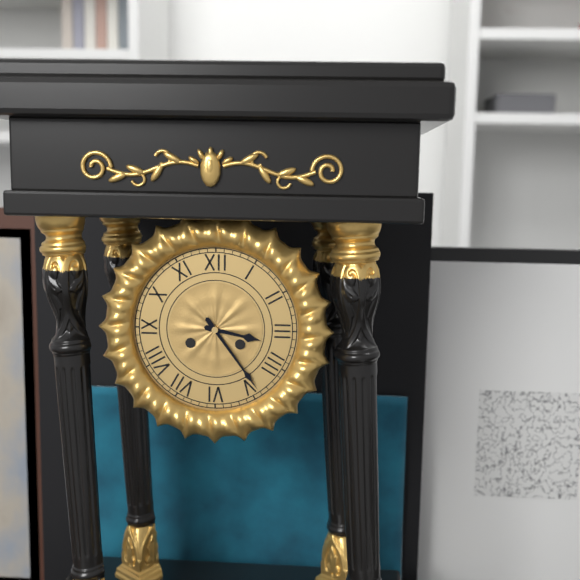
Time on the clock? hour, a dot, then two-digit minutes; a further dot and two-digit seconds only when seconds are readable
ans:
3.24
